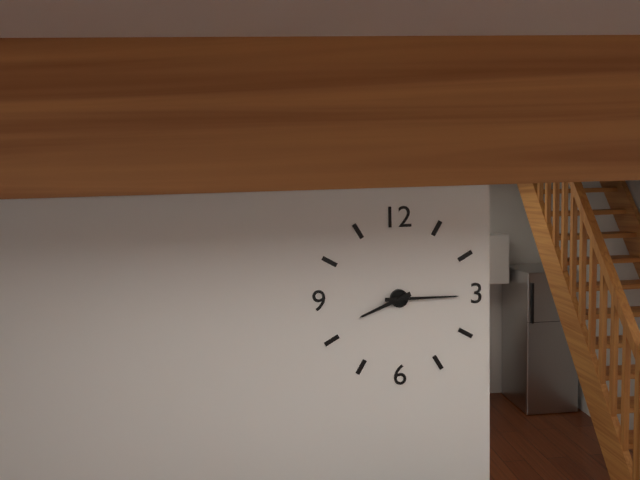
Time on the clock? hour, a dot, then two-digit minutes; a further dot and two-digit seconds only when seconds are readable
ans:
8.15
